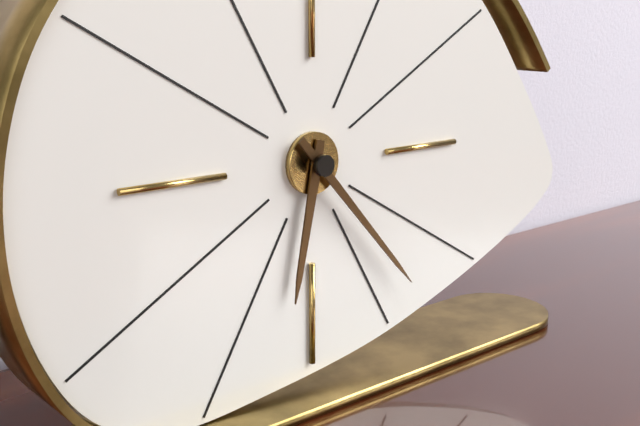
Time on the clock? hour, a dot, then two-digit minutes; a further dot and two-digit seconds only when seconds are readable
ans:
6.23
